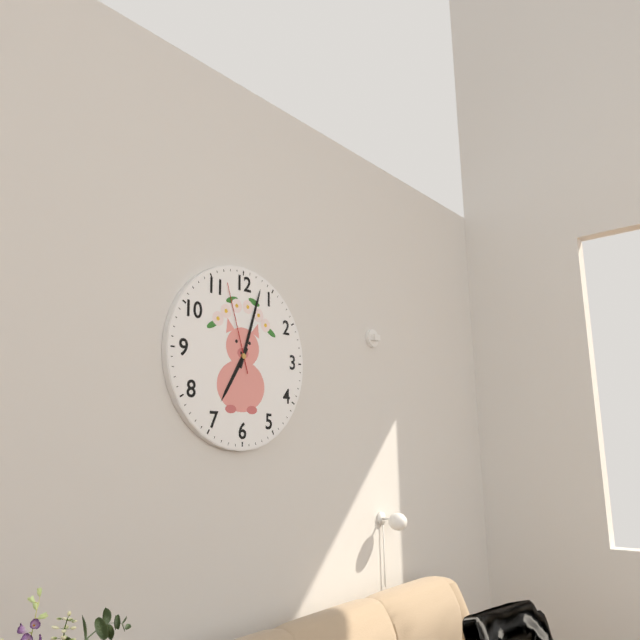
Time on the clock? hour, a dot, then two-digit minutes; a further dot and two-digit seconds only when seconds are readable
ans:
7.03.57
